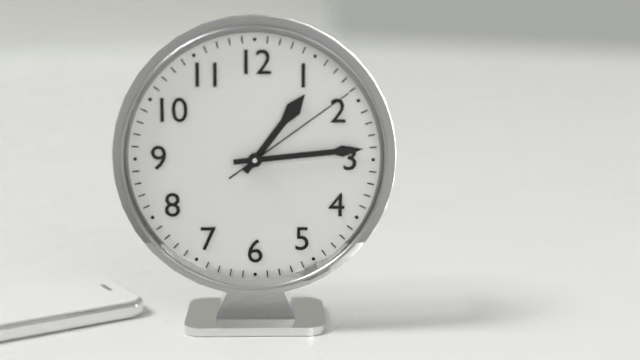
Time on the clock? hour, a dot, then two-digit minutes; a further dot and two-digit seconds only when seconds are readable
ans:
1.14.09
